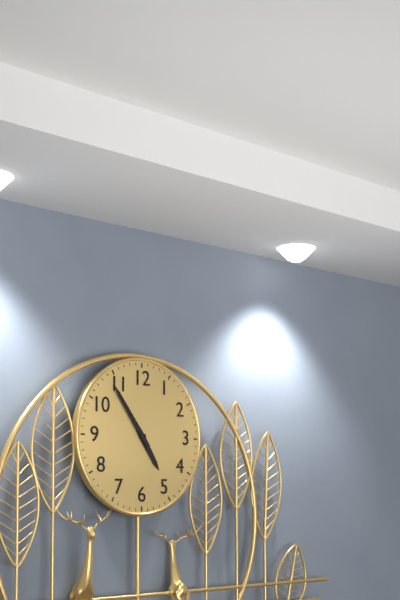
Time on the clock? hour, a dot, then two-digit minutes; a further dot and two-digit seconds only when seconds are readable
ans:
4.54
